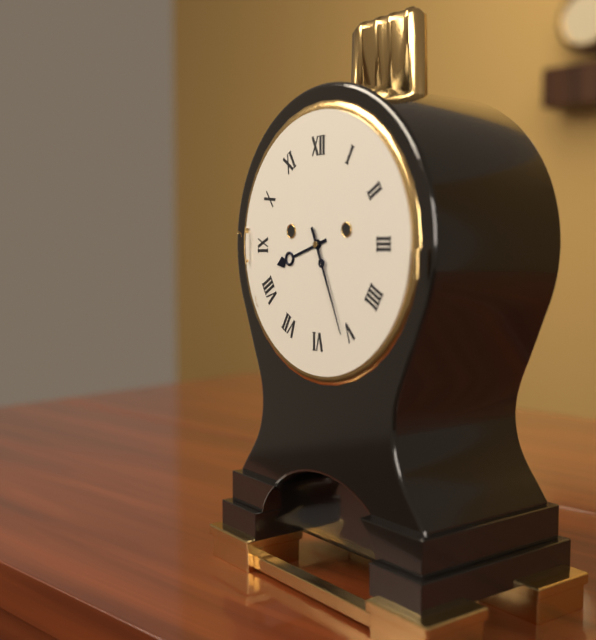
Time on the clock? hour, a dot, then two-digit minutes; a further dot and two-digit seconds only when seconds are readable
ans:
8.26
